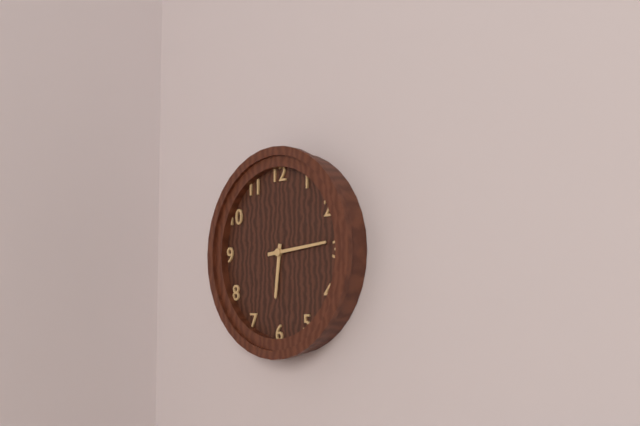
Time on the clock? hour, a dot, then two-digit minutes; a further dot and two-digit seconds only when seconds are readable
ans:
6.14
